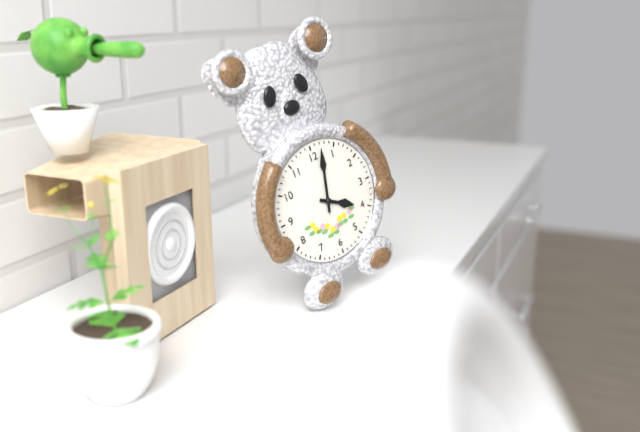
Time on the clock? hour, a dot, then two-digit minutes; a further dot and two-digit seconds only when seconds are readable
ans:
4.02
